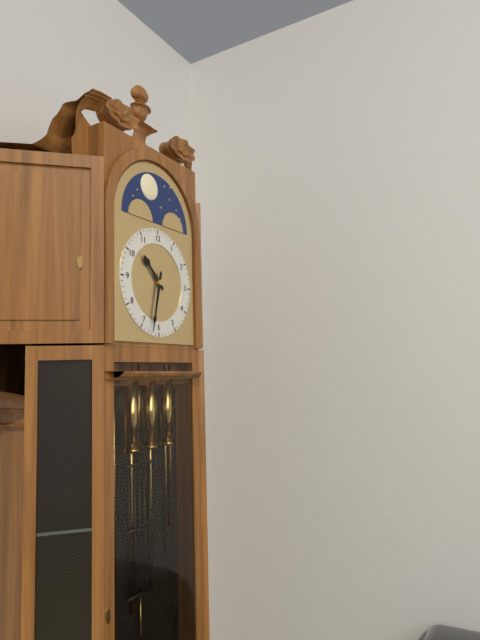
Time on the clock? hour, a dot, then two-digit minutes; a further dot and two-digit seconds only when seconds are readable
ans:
10.32
